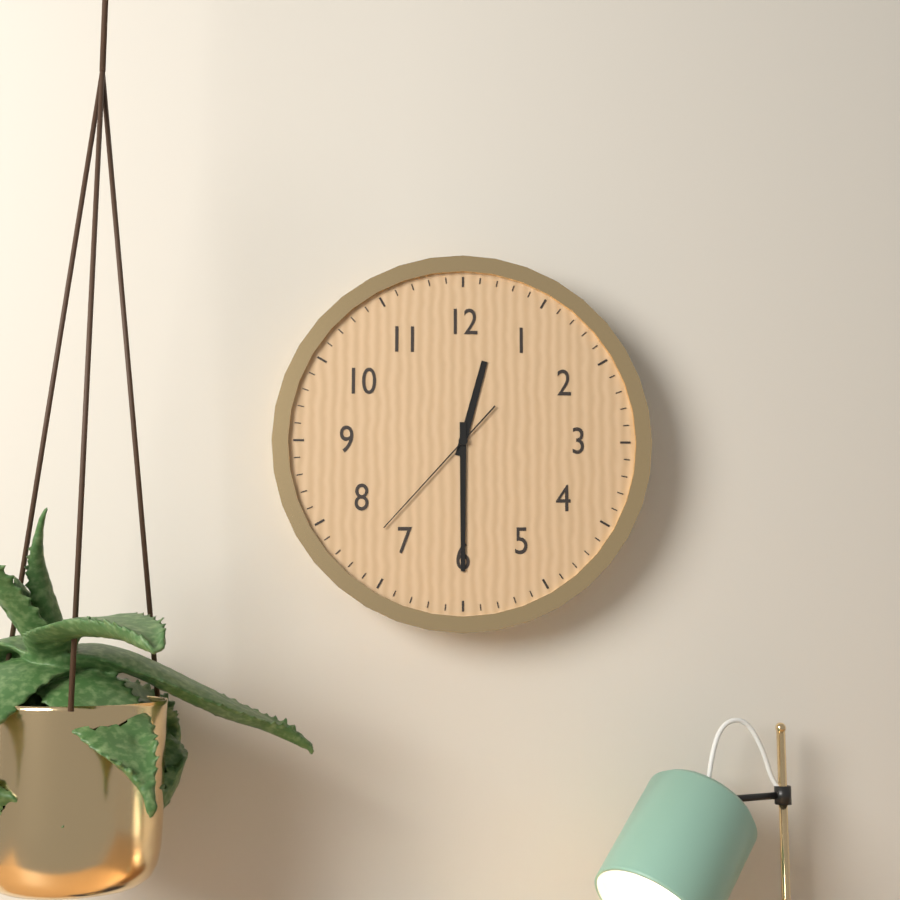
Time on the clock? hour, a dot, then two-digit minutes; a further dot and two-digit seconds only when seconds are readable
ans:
12.30.37
